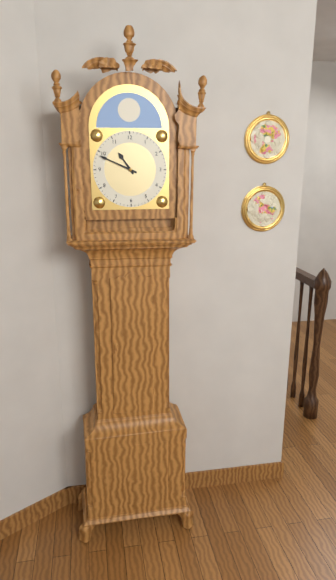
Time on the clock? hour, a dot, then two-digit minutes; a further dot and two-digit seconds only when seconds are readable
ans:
10.49
